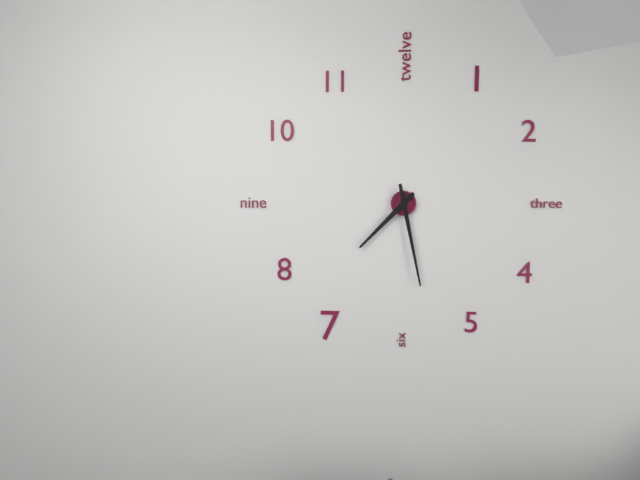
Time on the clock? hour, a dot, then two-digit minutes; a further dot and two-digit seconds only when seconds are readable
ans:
7.28
